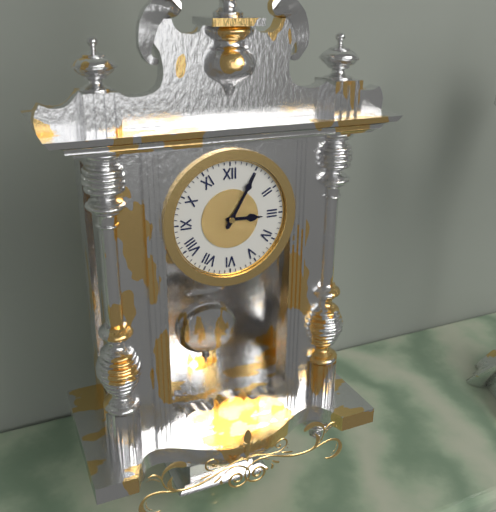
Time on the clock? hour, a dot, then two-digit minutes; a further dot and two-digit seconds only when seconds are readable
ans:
3.05
